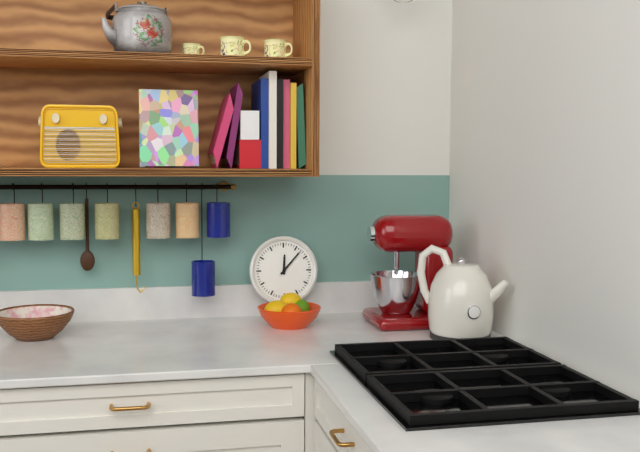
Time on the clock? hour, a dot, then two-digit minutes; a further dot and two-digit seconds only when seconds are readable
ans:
12.07
